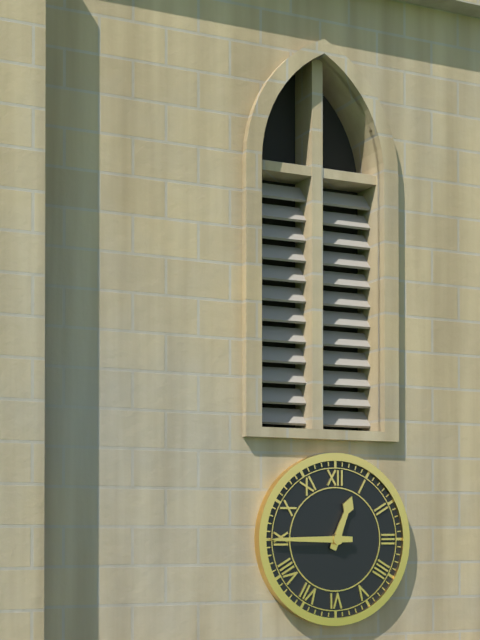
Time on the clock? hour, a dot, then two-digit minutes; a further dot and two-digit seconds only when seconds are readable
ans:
12.45
